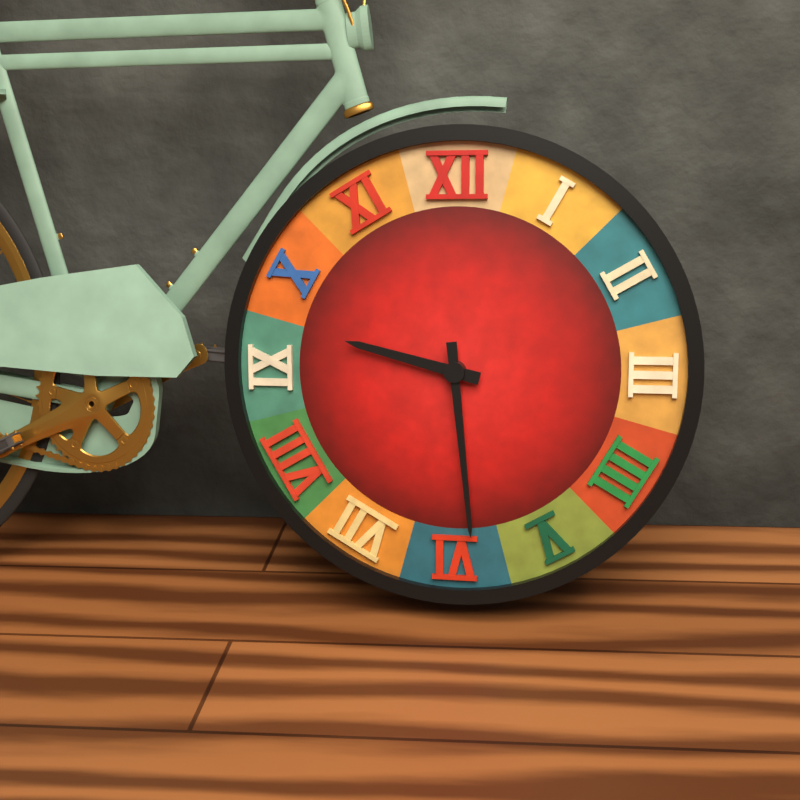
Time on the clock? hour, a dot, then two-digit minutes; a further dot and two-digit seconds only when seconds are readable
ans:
9.29
